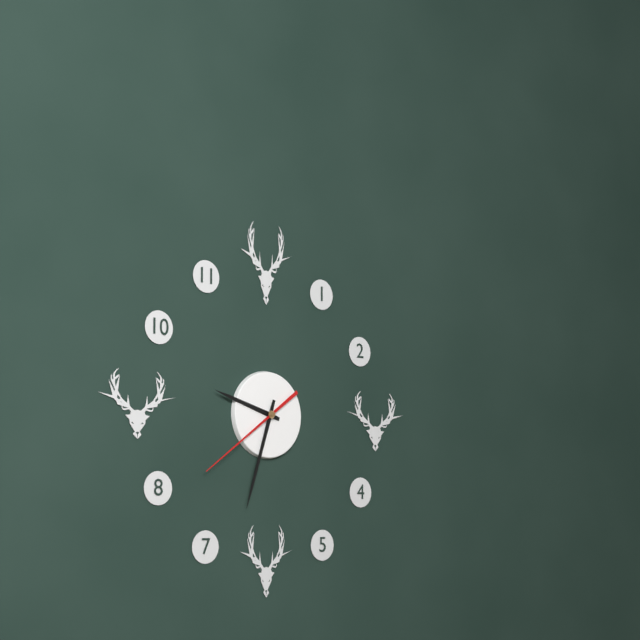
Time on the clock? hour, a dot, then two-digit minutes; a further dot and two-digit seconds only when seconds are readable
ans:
9.33.39
